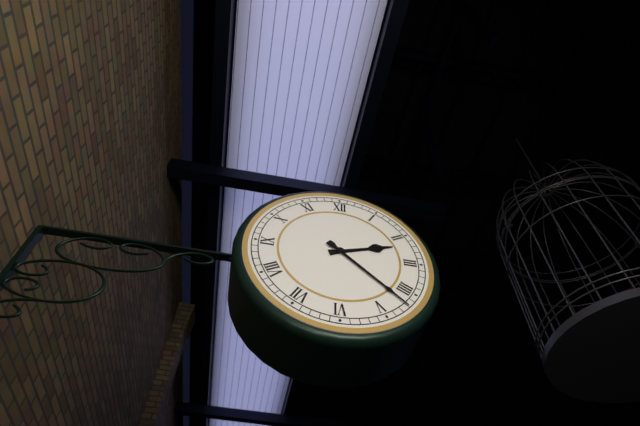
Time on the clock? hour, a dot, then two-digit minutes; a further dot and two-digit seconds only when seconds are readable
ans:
2.22
